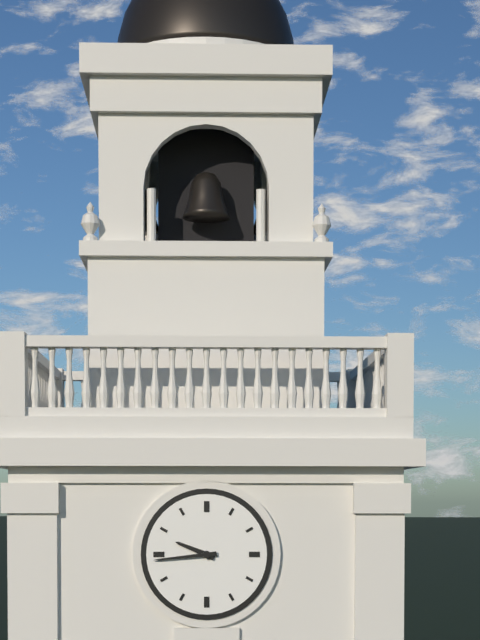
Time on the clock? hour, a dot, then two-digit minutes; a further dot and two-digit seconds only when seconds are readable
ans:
9.44
